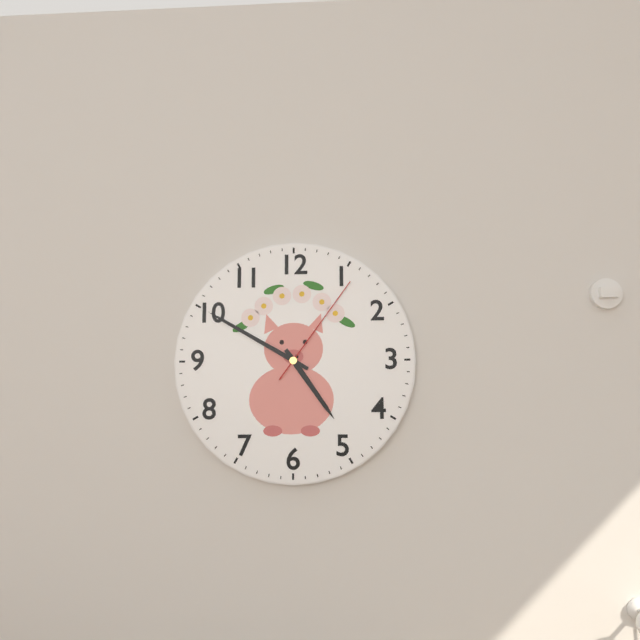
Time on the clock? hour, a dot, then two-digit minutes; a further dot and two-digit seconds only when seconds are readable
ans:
4.50.06
